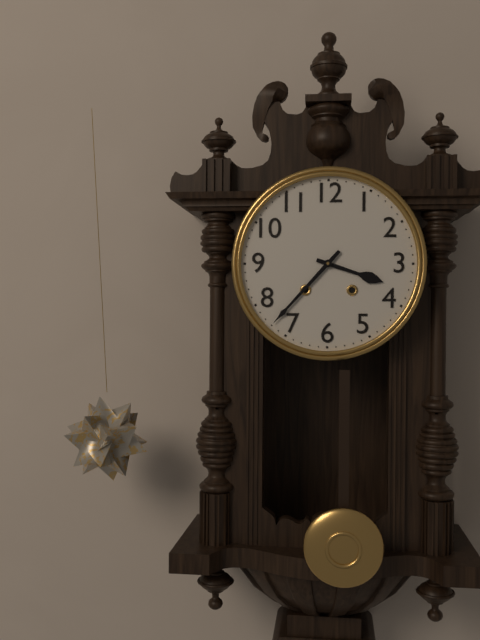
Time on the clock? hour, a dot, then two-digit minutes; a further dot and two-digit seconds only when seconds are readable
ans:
3.37
